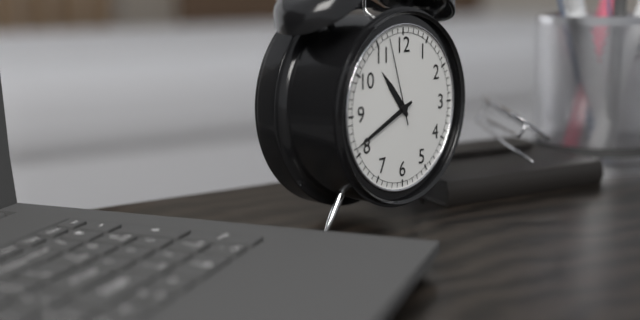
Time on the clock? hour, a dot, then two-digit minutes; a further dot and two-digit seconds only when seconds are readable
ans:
10.41.57
